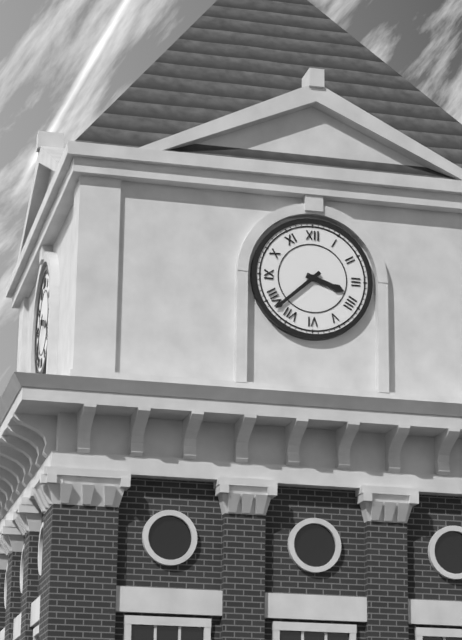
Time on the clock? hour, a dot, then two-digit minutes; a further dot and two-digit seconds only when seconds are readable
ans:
3.38
